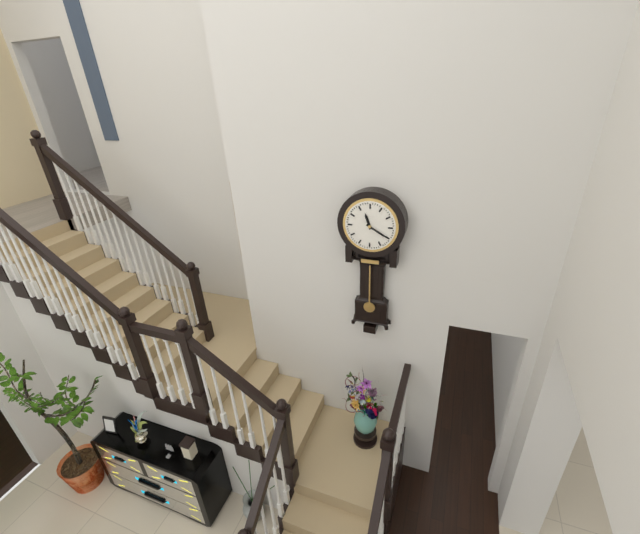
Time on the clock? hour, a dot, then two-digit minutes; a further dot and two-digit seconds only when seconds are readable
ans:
11.20
